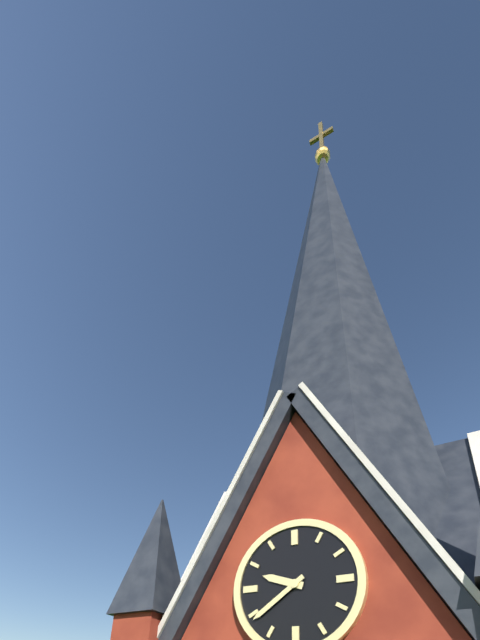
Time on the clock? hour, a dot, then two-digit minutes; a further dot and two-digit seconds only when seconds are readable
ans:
9.39
